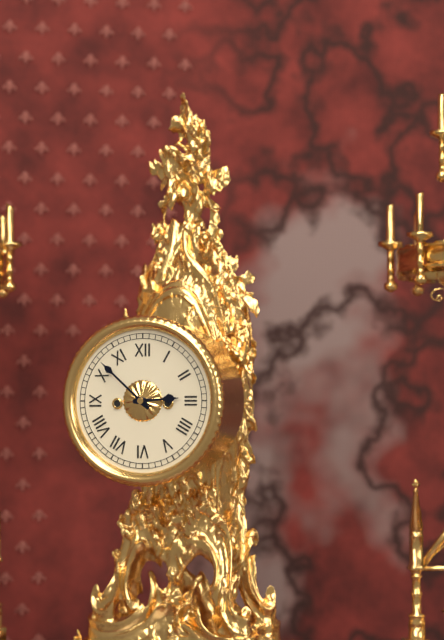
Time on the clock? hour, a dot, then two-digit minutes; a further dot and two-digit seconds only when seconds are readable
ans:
2.52
